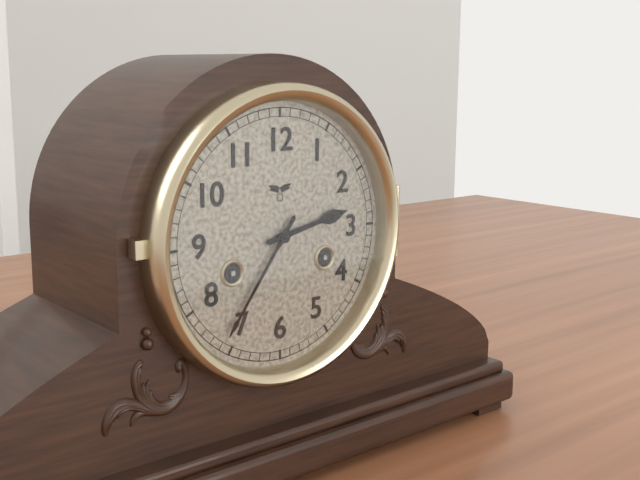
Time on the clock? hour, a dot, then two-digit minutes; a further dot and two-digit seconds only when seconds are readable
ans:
2.36
